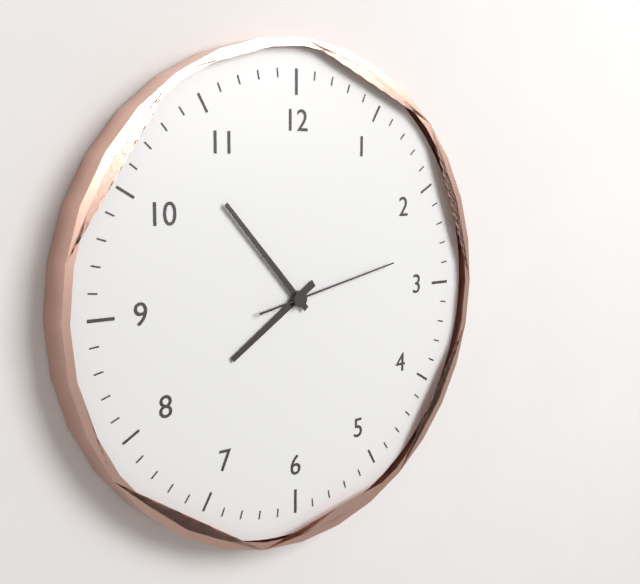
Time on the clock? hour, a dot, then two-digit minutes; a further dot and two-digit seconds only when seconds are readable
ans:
7.53.13
